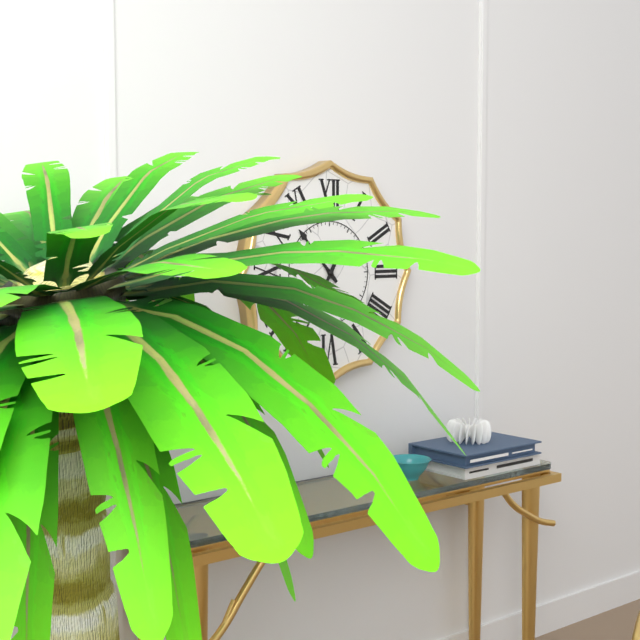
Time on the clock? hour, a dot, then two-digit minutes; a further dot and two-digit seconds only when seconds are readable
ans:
10.35
